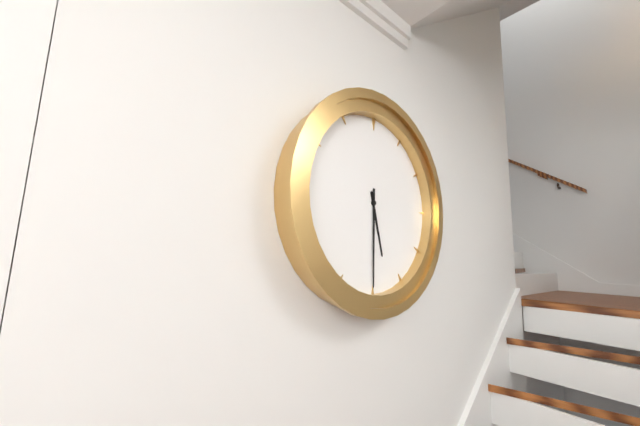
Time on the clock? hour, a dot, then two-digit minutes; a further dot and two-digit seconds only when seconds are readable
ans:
5.30
